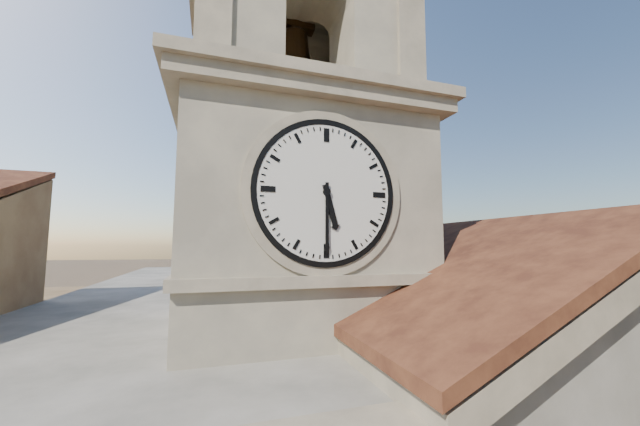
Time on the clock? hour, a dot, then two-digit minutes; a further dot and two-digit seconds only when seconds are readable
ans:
5.30
